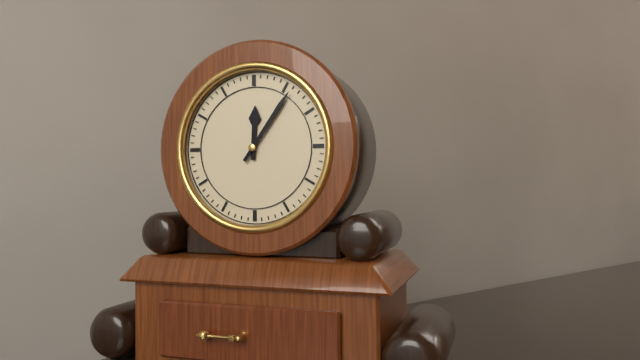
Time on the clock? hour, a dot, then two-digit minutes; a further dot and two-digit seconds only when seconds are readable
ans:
12.06
